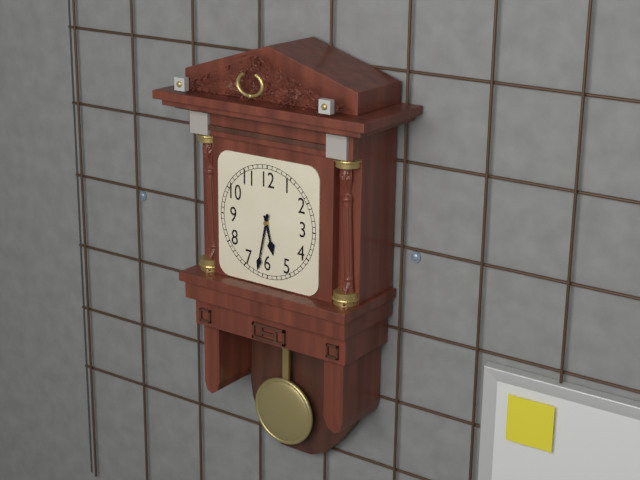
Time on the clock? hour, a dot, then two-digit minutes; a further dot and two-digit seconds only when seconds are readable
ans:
5.32
